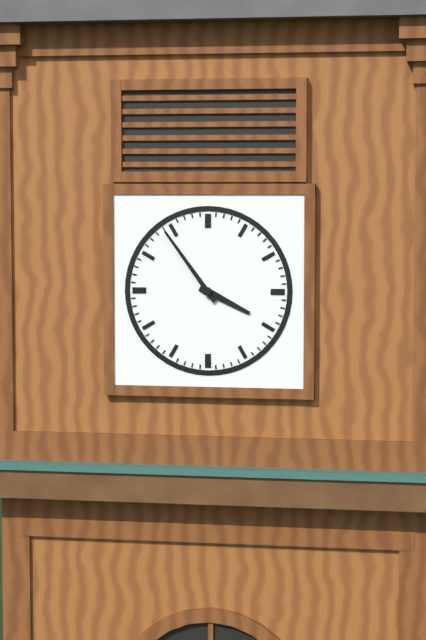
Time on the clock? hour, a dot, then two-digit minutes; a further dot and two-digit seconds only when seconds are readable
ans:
3.54
